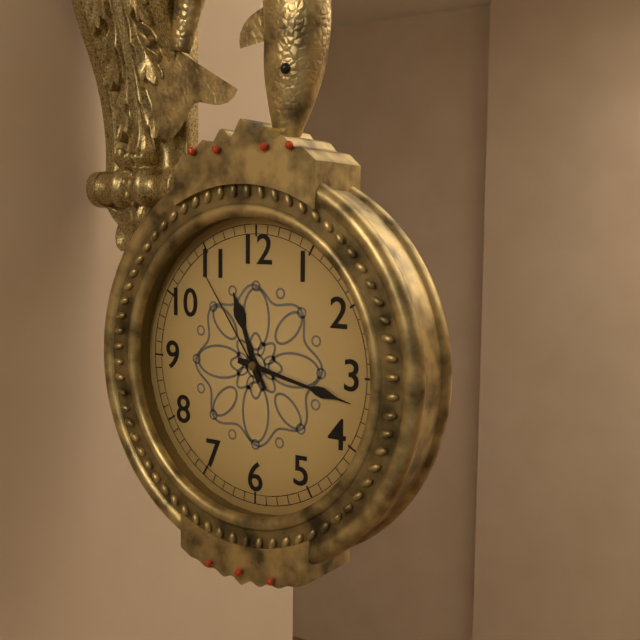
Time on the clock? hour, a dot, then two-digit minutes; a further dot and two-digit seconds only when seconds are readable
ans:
11.17.54
